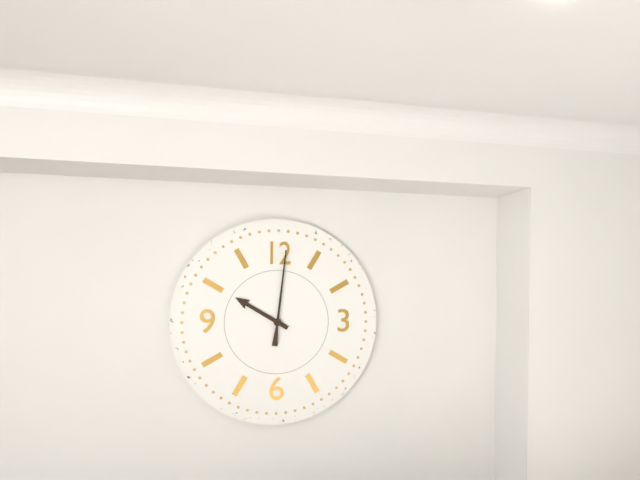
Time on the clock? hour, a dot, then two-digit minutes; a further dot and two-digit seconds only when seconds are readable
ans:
10.01
